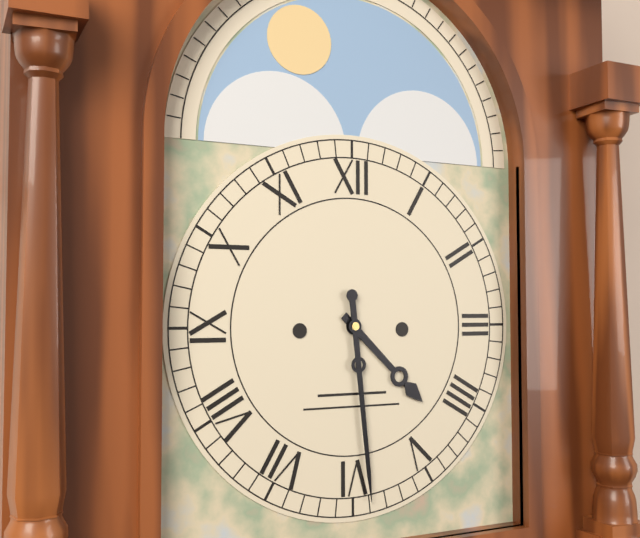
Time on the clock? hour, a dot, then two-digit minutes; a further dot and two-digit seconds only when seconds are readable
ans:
4.29
